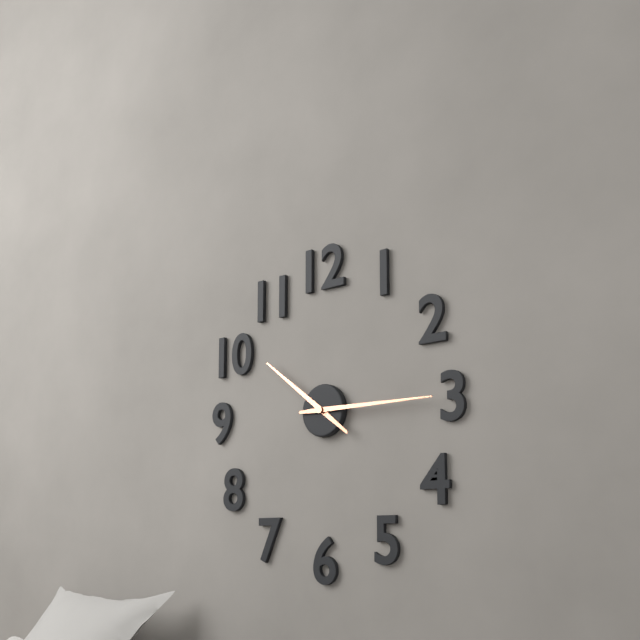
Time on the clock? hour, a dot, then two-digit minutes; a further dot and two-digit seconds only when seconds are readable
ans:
10.15
